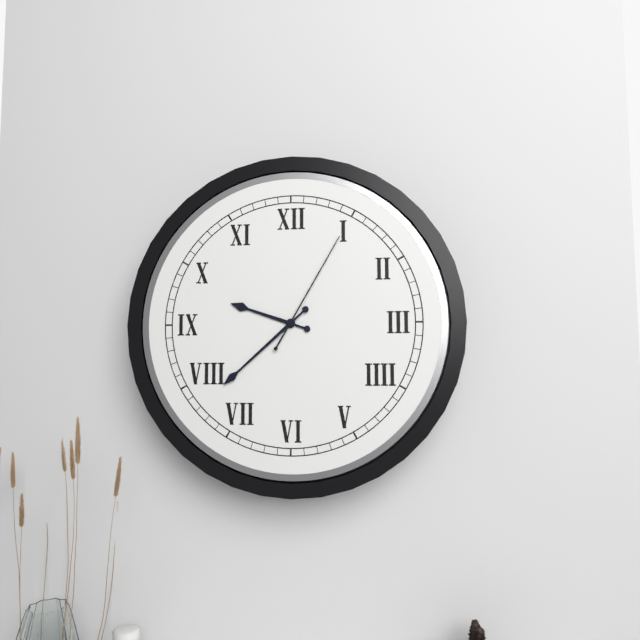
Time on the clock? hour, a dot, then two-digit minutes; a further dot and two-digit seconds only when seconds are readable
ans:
9.38.05
